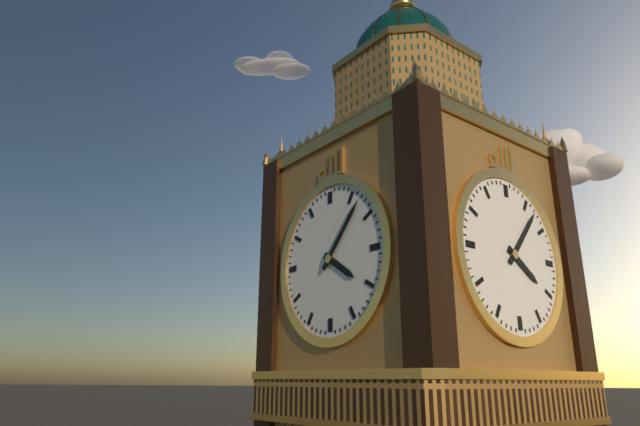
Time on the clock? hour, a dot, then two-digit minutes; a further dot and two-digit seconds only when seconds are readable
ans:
4.07
